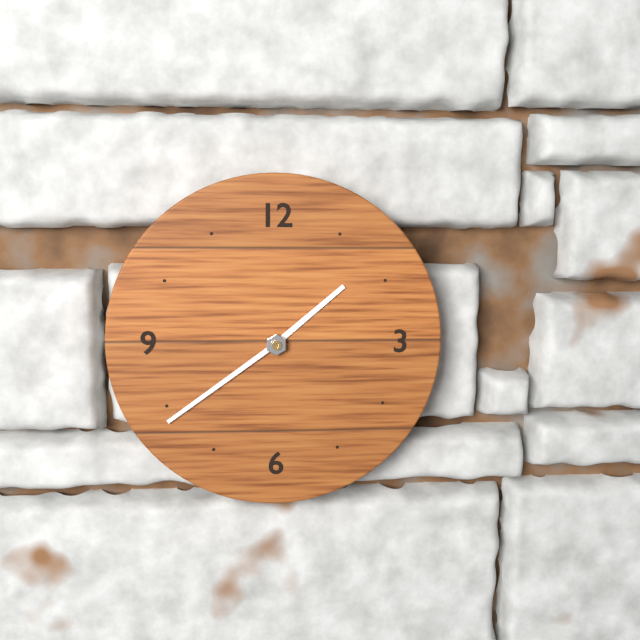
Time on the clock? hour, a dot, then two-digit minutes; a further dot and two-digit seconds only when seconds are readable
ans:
1.39
